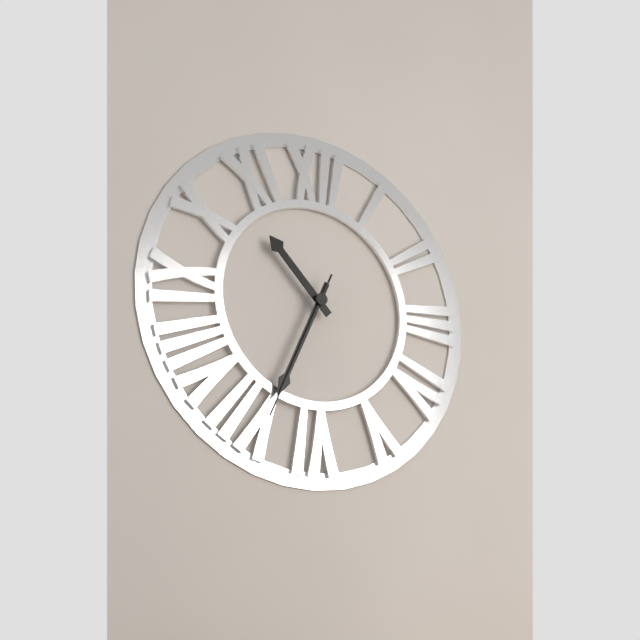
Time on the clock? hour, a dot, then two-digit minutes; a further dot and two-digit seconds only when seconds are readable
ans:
10.34.34
